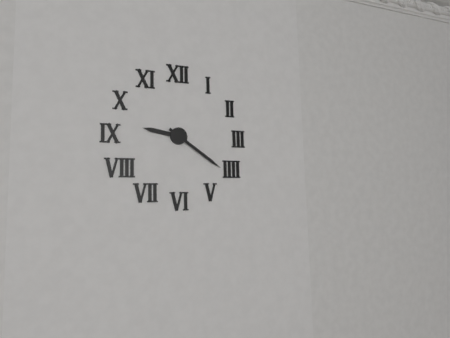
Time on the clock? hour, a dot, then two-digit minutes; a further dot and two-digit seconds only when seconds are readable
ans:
9.21
